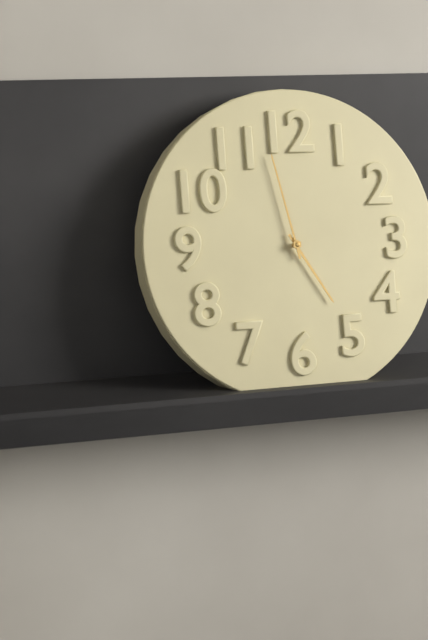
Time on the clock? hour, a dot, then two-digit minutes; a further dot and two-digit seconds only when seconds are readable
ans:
4.58
